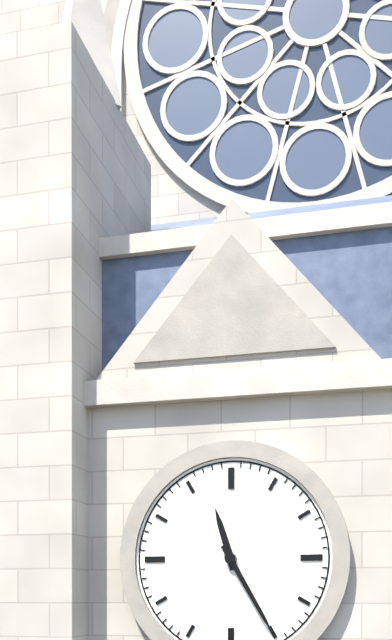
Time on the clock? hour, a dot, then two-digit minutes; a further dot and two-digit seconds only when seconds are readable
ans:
11.25
